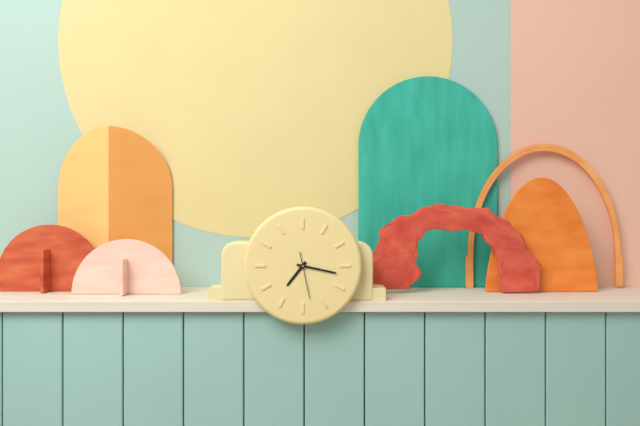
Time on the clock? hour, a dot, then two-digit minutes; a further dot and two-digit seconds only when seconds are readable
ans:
7.17
